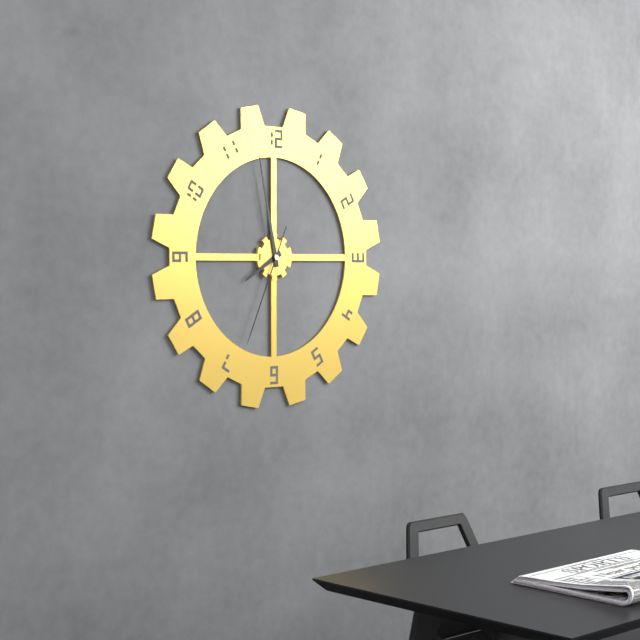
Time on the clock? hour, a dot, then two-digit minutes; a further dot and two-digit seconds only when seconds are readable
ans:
7.58.34
